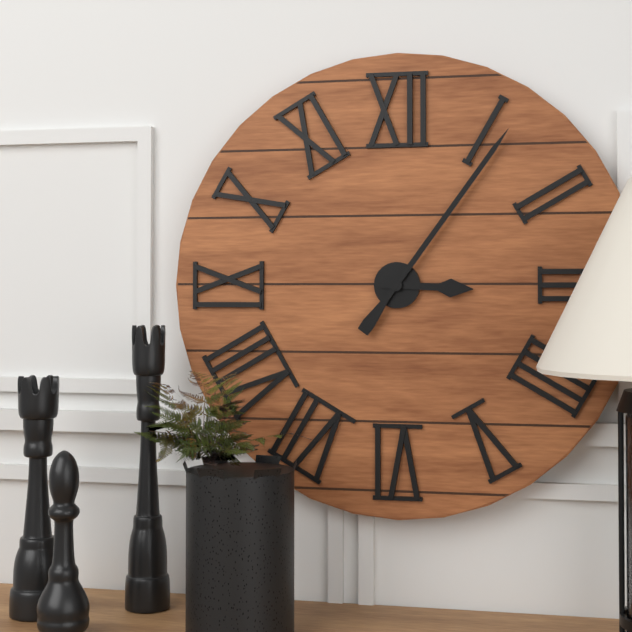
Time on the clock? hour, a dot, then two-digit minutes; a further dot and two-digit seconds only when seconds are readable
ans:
3.06
